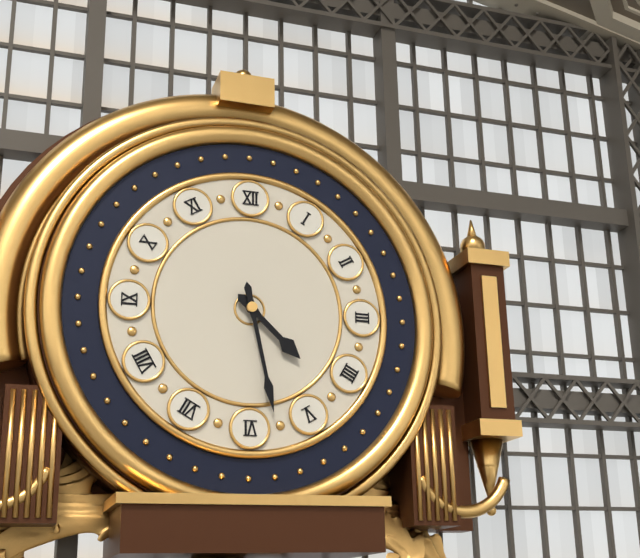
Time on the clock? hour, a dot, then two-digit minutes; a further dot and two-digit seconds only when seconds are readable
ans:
4.28
